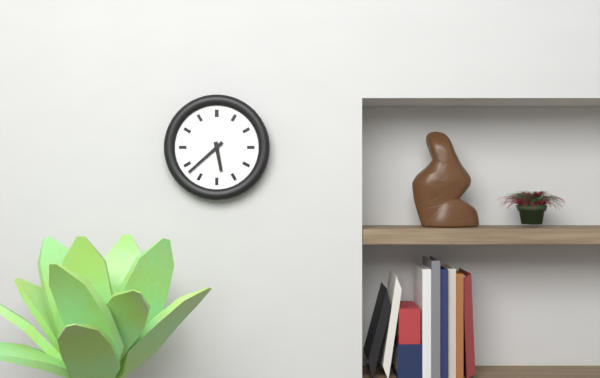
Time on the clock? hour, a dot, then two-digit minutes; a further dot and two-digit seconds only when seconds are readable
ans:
5.38
